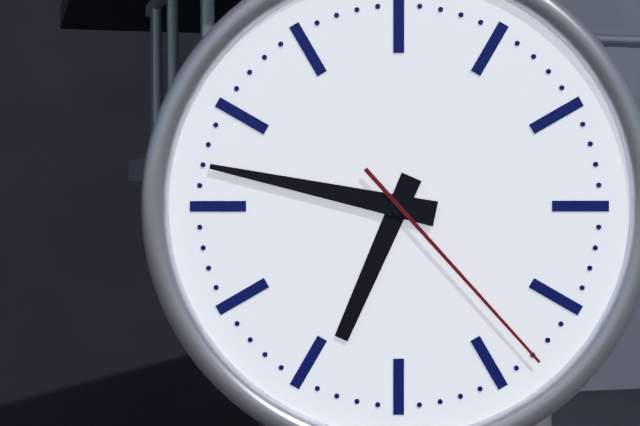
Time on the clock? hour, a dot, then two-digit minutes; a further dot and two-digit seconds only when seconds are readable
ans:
6.47.23
